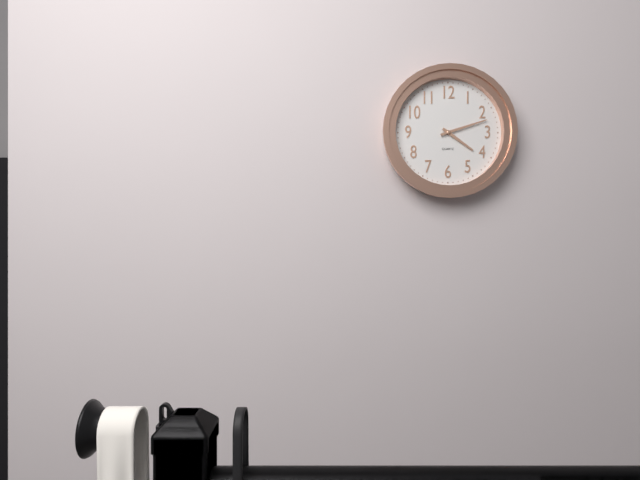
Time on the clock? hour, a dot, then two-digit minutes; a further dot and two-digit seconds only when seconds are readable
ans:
4.12
